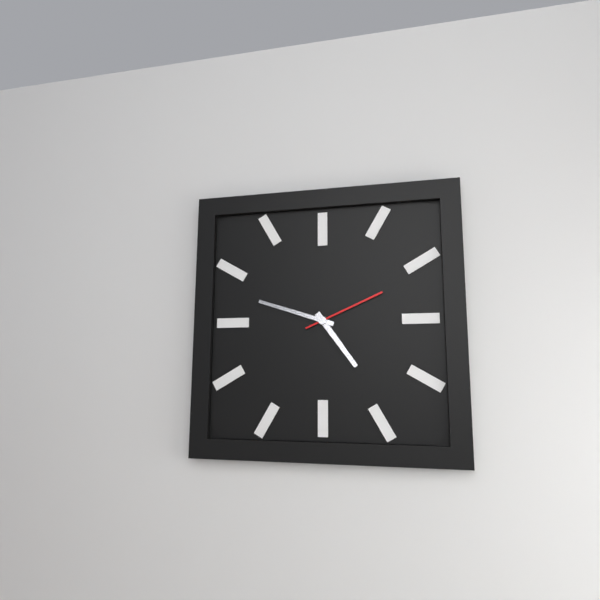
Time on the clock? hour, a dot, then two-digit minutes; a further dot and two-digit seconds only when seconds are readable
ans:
4.48.11
